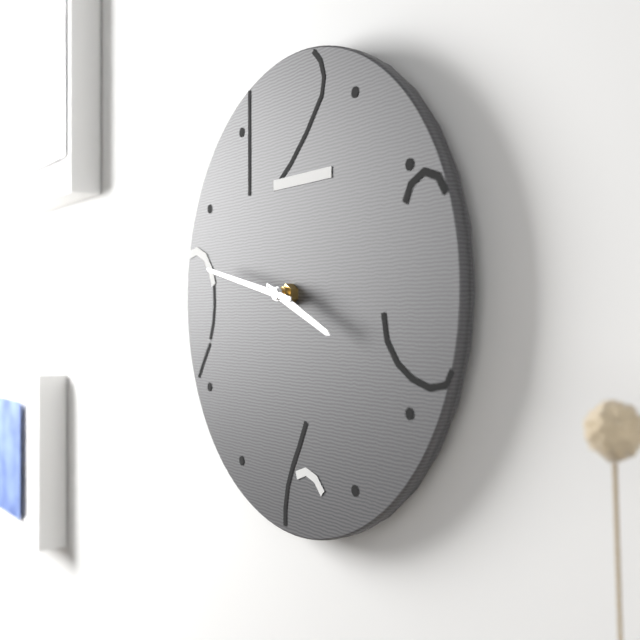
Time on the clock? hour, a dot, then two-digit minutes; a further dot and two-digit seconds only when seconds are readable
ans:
3.47
